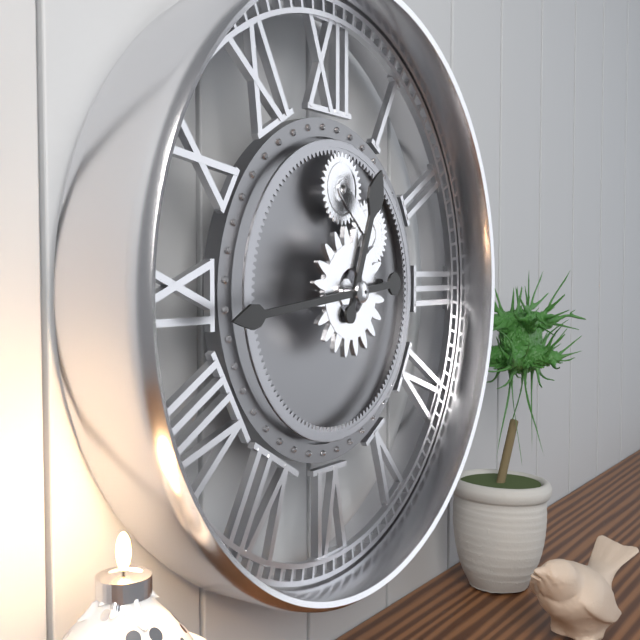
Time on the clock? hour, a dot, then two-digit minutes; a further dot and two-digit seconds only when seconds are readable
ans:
12.44
